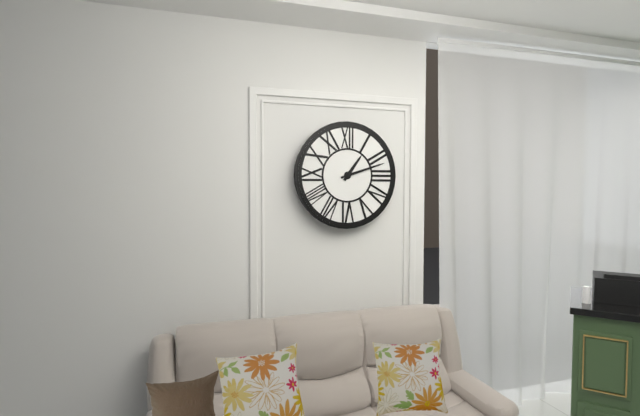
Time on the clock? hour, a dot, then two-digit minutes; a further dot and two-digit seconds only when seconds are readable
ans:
1.12
